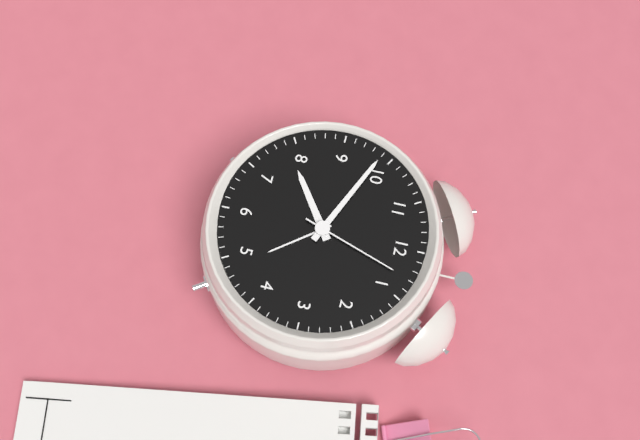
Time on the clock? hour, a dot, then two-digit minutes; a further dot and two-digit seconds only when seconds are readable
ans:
7.49.03
